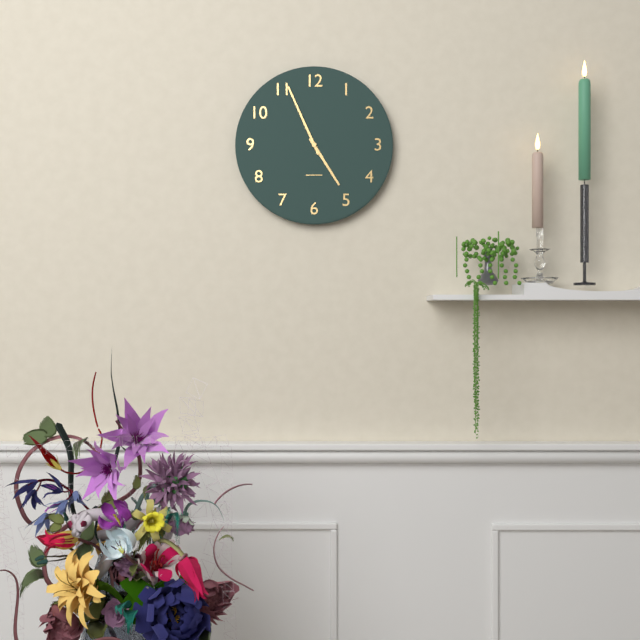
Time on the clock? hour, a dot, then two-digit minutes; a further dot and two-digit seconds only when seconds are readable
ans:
4.56
